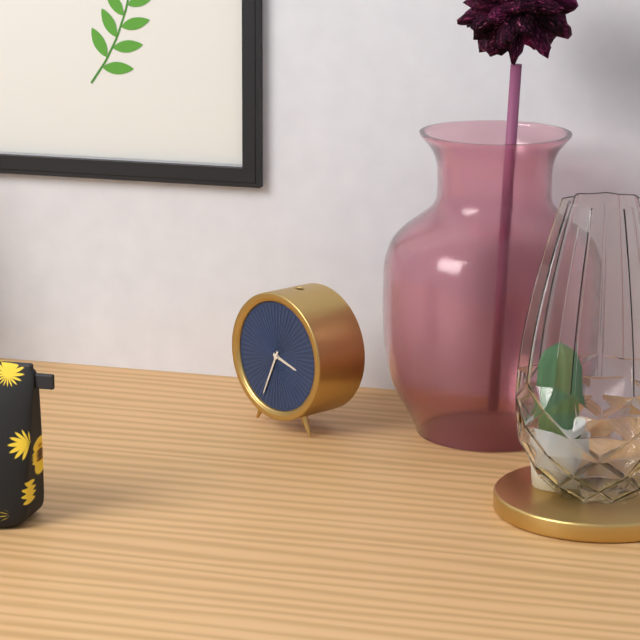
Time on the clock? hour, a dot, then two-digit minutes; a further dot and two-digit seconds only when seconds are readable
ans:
3.34
